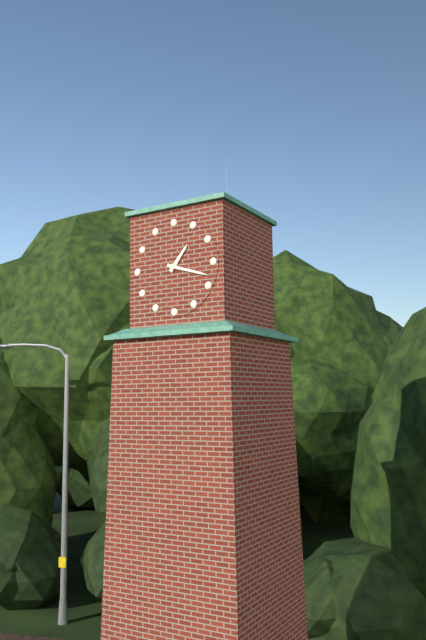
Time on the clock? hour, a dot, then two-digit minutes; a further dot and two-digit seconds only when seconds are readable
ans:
1.18
